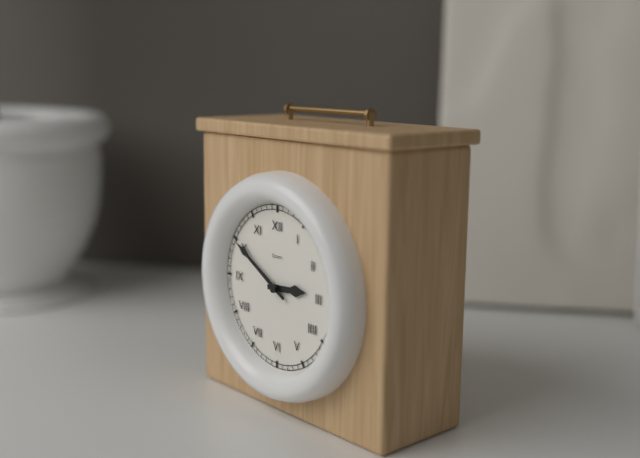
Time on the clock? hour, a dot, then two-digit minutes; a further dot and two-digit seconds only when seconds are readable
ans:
2.50
